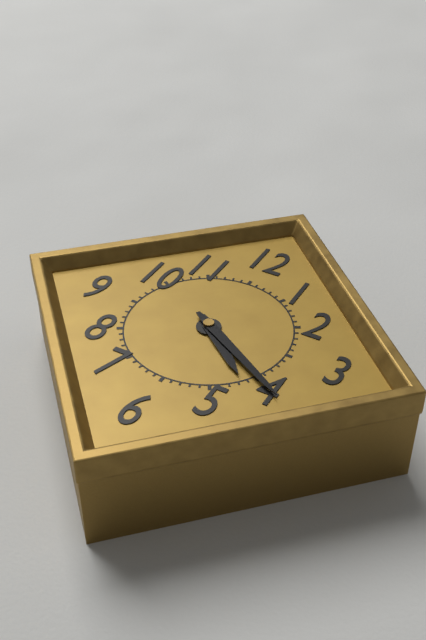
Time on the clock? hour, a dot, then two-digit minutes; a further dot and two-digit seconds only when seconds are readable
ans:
4.20
